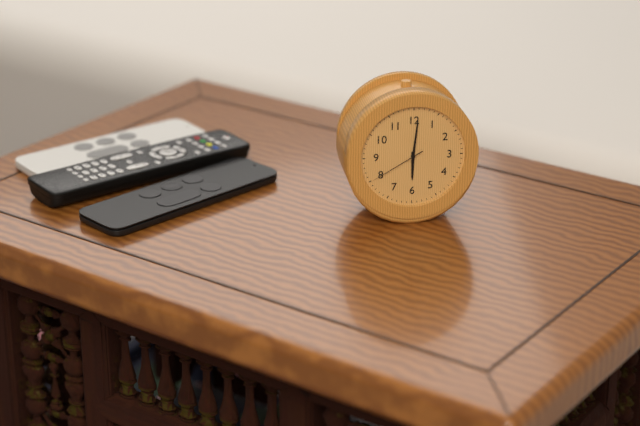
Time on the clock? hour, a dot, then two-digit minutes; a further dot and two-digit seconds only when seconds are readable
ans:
6.01.40
